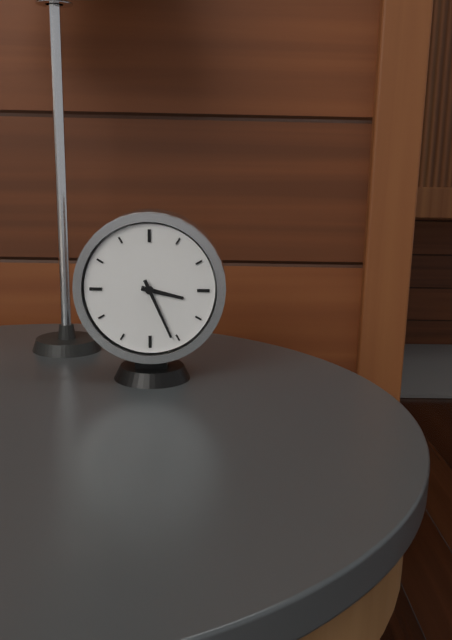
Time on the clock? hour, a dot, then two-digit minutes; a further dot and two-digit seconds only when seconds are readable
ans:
3.26
